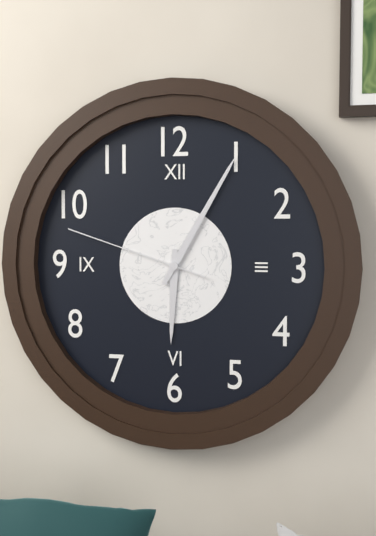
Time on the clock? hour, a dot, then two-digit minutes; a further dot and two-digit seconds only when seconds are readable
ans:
6.05.48
